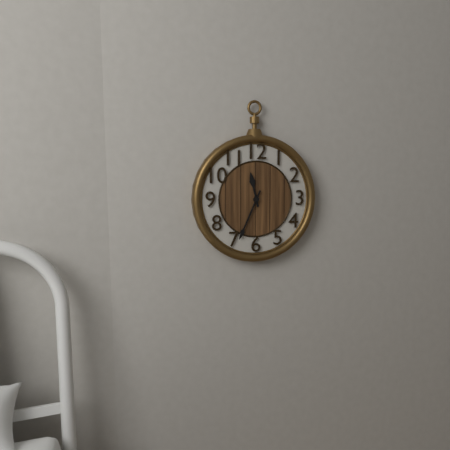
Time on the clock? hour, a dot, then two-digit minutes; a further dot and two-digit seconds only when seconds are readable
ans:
11.34
